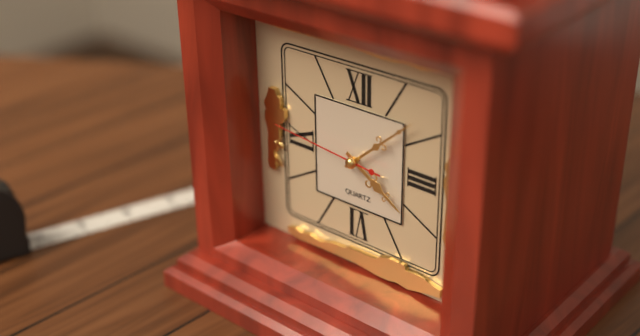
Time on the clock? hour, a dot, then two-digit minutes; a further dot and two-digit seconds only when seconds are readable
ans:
4.08.46
